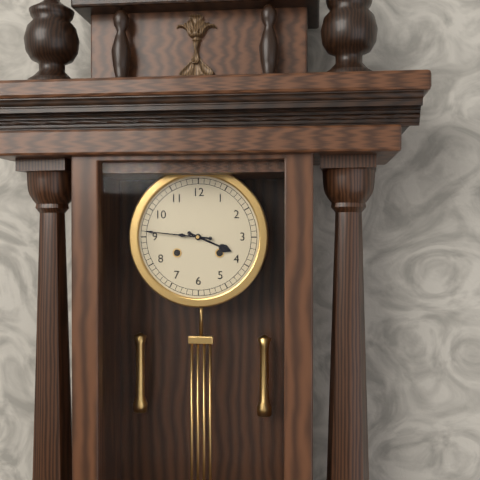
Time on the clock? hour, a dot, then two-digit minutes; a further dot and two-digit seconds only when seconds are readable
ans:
3.46
